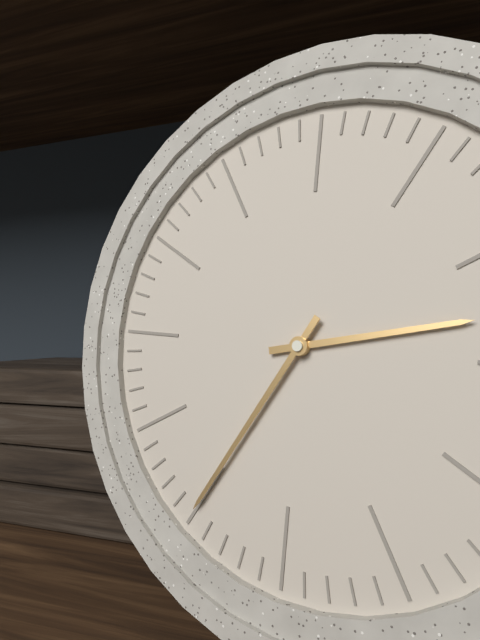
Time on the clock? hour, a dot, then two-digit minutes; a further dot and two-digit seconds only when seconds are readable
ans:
2.35
